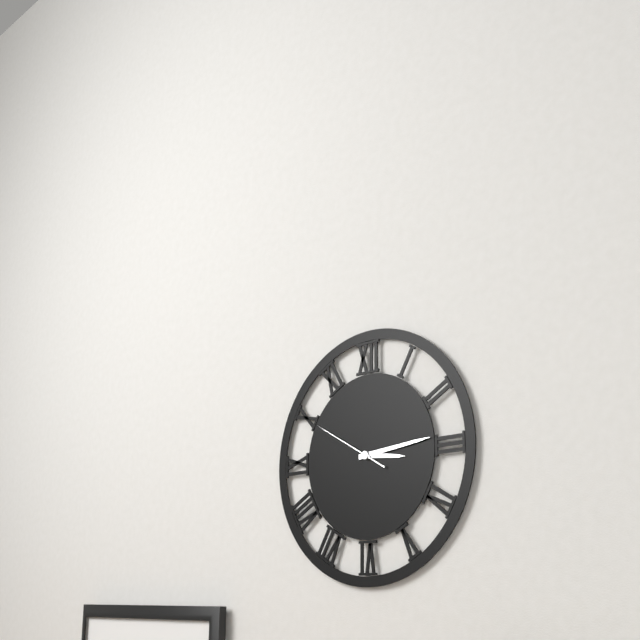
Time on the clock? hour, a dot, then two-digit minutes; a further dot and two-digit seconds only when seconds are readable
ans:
3.14.50
